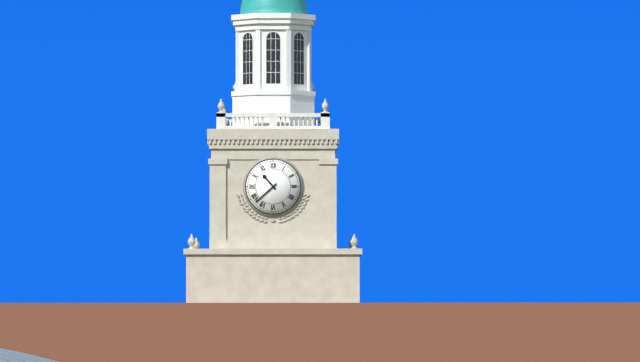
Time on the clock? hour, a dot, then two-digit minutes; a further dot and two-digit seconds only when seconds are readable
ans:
10.38
